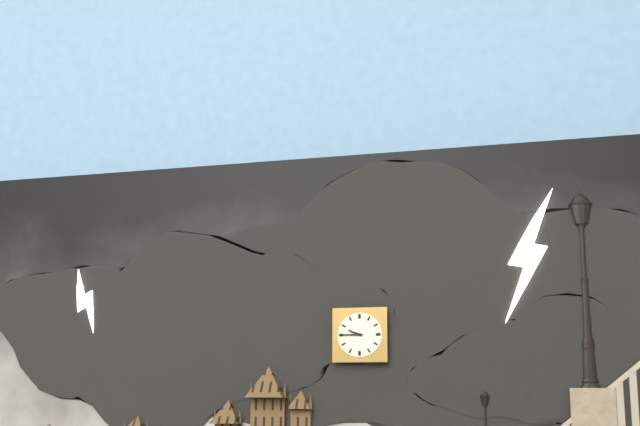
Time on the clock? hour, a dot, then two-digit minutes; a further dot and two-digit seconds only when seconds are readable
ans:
9.45
